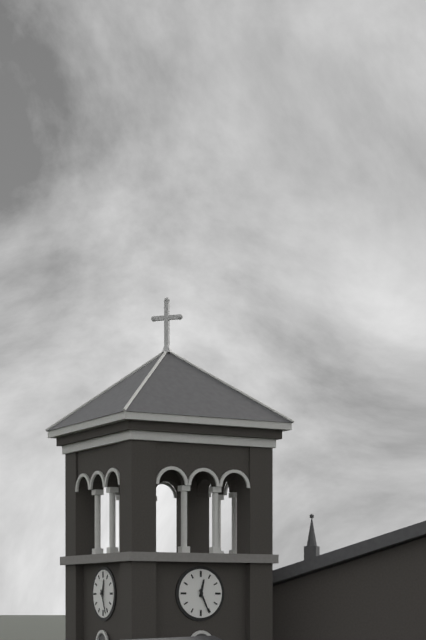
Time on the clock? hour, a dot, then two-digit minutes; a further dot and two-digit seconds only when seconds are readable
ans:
12.26
